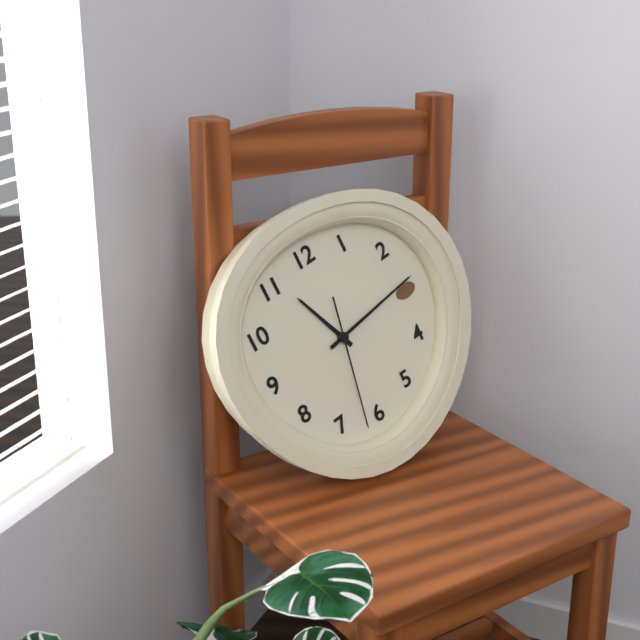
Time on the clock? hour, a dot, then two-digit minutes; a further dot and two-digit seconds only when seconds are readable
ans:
11.14.32
